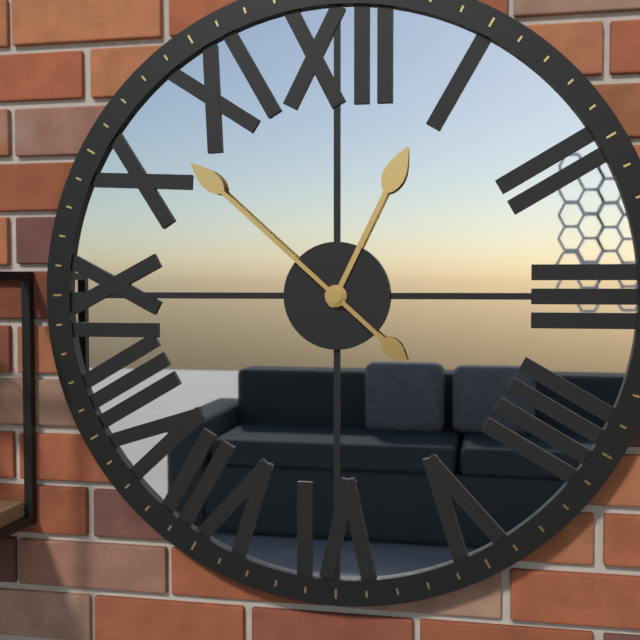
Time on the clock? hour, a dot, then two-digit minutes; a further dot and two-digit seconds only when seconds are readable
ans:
12.52
